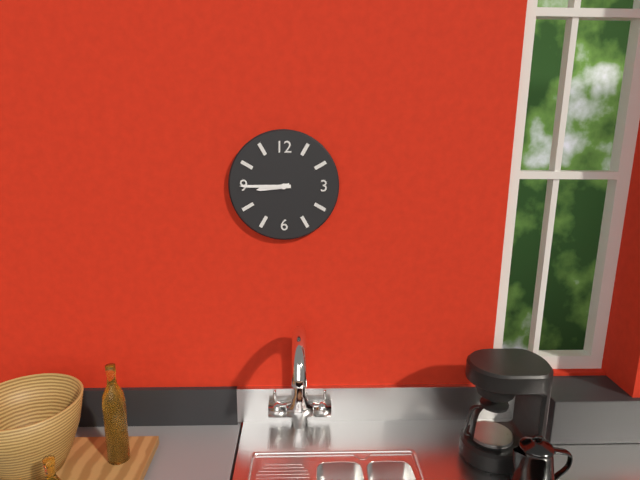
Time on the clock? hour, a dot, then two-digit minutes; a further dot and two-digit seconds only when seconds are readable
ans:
8.45
